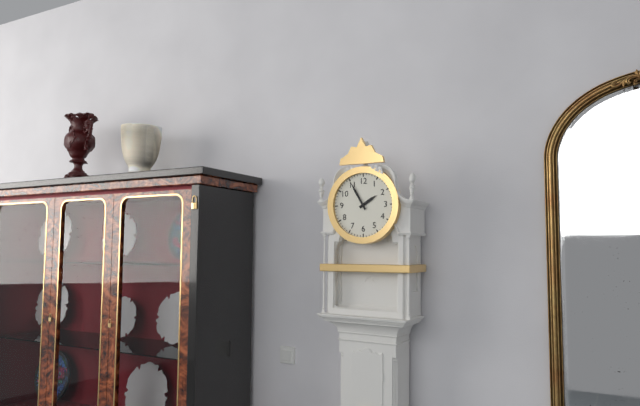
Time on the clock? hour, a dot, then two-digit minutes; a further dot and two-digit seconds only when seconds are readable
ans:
1.55
